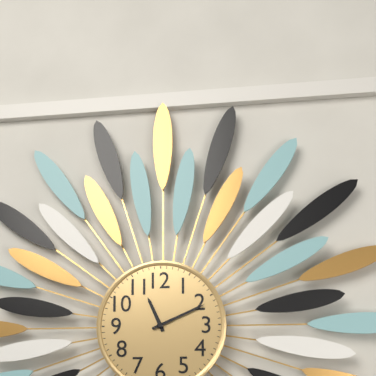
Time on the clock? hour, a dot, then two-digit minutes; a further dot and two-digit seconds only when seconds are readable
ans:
11.11
